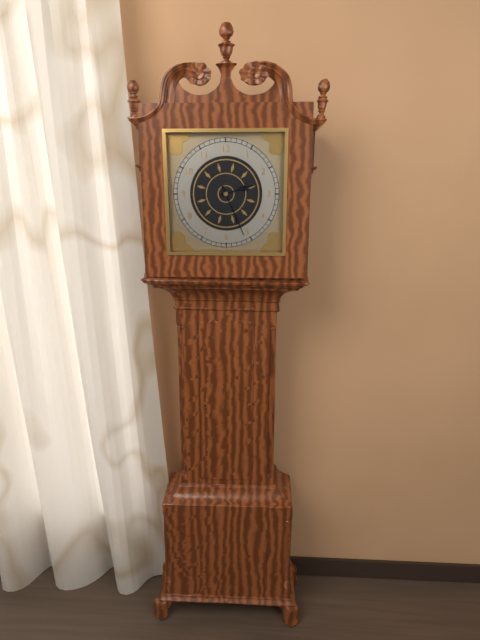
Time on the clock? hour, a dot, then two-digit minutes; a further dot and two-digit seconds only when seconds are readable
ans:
2.26
